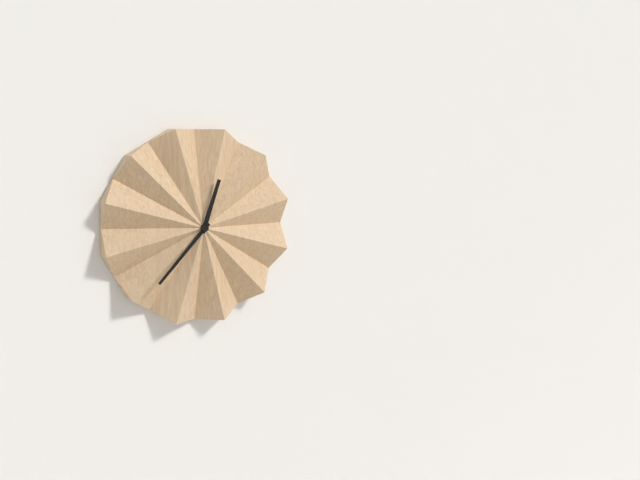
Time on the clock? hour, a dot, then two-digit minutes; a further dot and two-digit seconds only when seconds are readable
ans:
12.37
